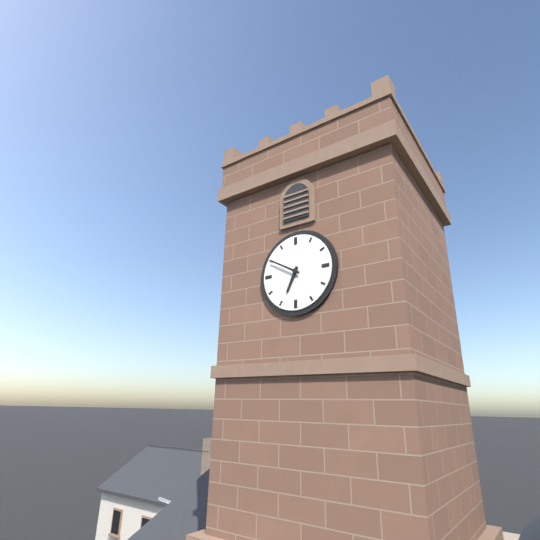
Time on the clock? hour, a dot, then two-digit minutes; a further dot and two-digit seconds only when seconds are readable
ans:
6.50
